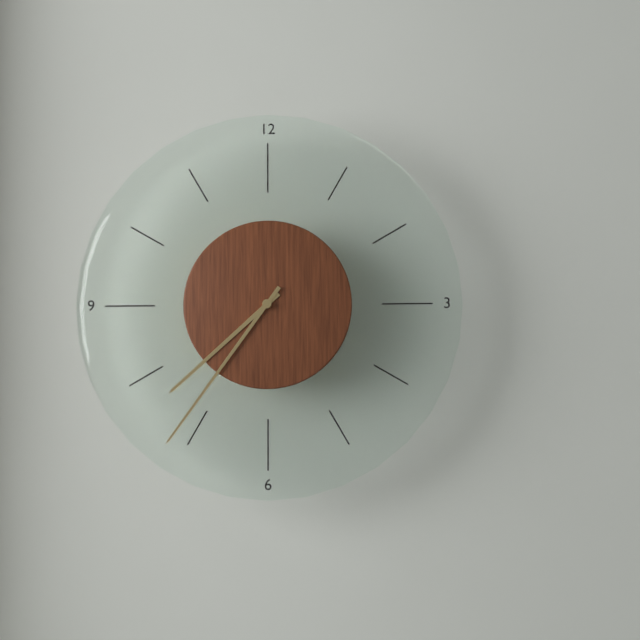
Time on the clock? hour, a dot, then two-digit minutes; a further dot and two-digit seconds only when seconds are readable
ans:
7.36
